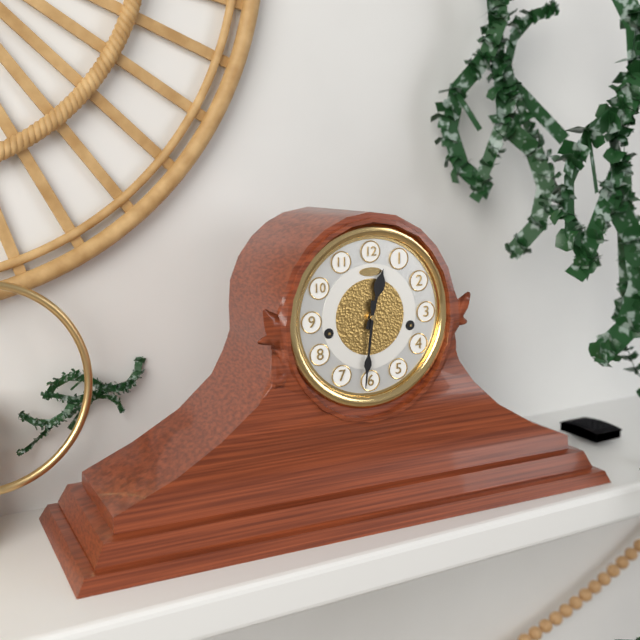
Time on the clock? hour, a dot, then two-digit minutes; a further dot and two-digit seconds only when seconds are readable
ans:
12.31
